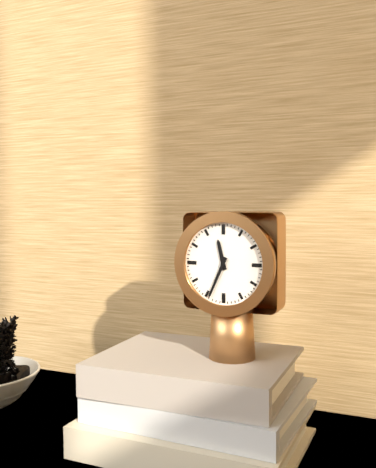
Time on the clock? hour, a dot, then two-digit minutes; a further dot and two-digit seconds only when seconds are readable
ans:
11.34
